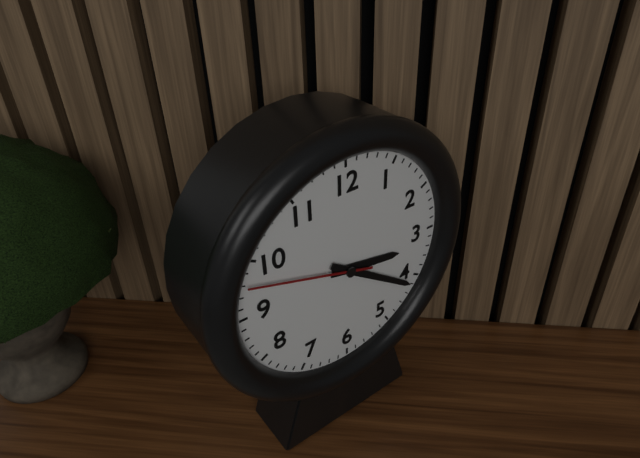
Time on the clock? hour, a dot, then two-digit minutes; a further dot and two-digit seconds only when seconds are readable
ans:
3.21.48
